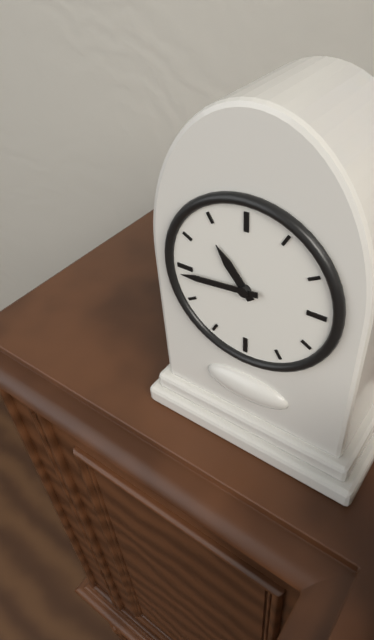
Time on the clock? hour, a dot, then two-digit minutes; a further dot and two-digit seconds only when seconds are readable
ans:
10.44
